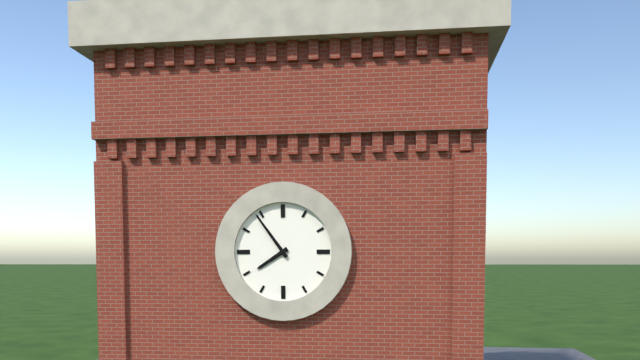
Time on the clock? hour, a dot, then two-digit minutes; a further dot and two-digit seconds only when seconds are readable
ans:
7.54
